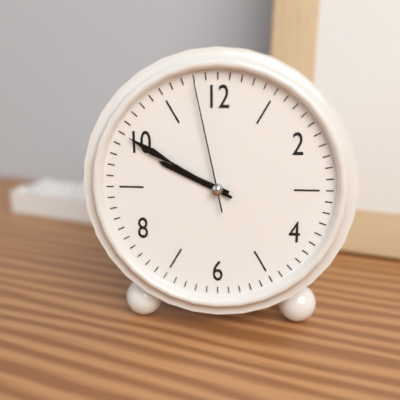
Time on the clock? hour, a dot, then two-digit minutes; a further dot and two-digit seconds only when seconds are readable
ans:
9.50.58
